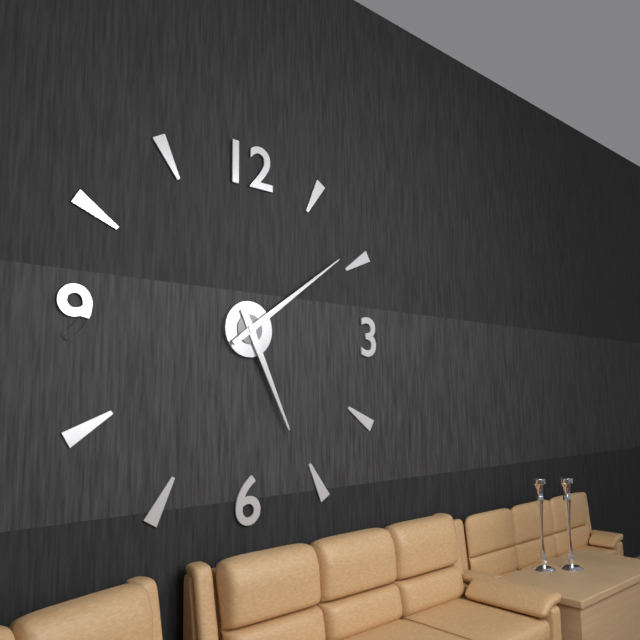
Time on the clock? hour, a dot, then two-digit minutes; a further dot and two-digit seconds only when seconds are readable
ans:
5.09
